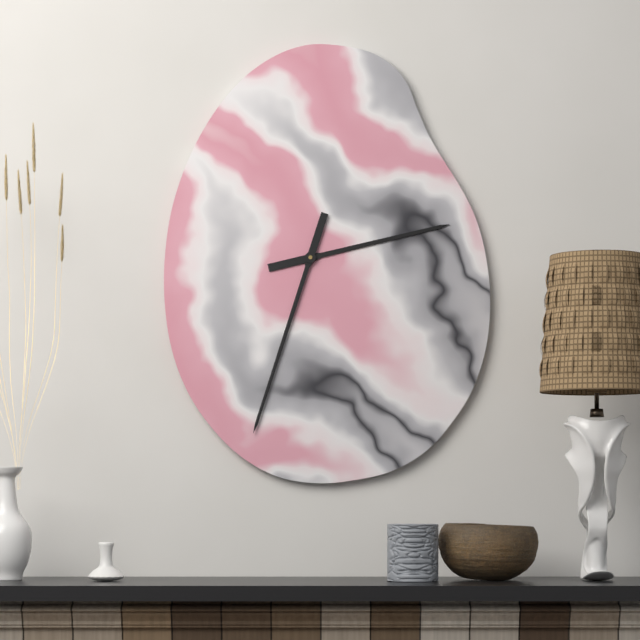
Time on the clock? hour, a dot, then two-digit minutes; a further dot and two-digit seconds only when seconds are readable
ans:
2.33
